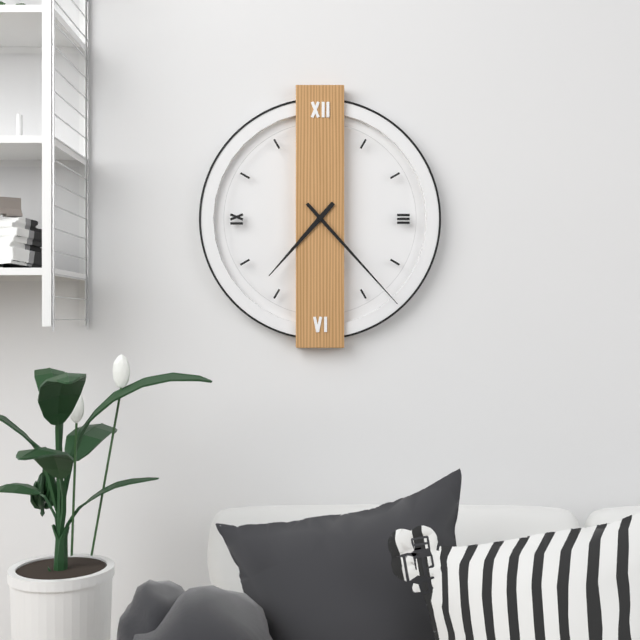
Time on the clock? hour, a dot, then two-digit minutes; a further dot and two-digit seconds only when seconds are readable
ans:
7.23
